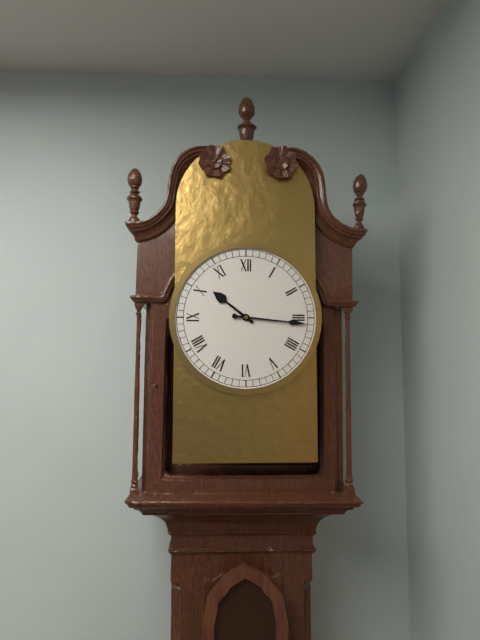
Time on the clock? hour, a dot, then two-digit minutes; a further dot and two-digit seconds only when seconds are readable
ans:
10.16
